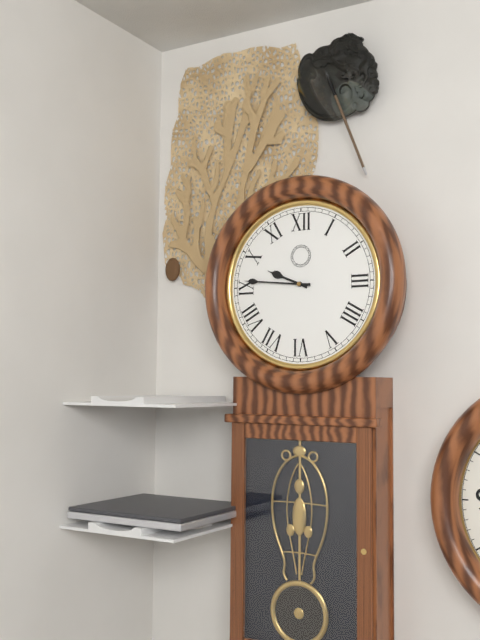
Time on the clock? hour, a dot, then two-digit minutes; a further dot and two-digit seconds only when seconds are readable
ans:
9.46
